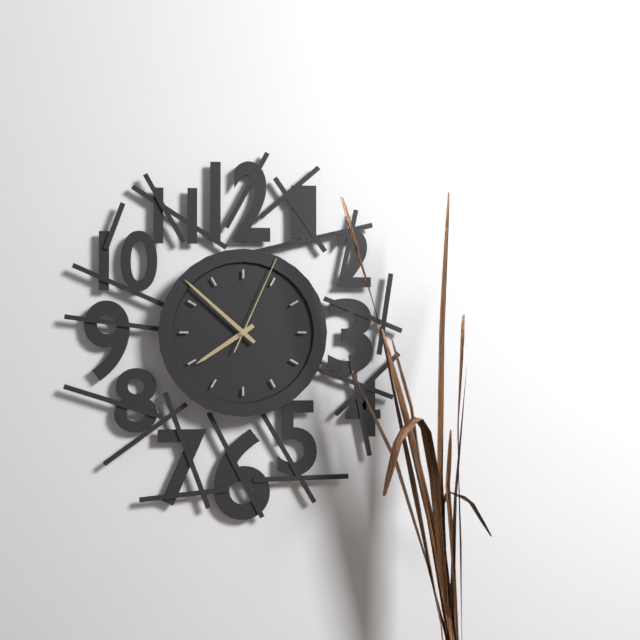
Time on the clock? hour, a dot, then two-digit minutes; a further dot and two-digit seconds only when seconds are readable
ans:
7.52.04
